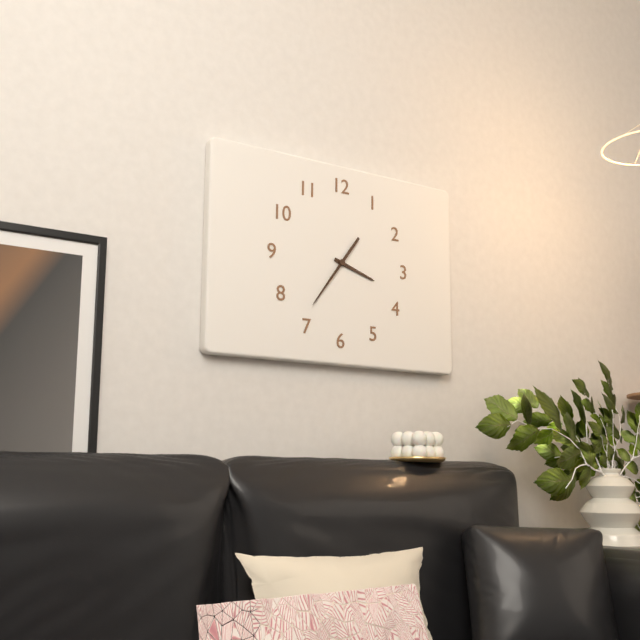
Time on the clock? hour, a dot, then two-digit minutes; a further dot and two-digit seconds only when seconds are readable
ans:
3.36
